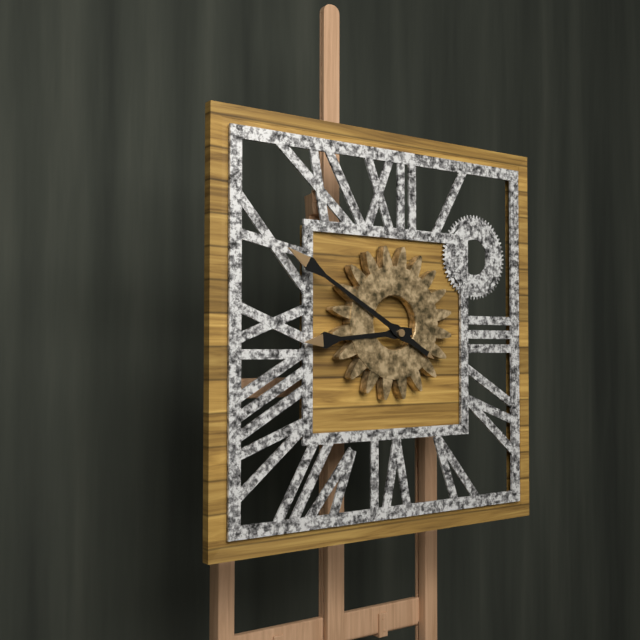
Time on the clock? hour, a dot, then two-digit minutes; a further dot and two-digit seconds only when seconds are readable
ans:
8.50
